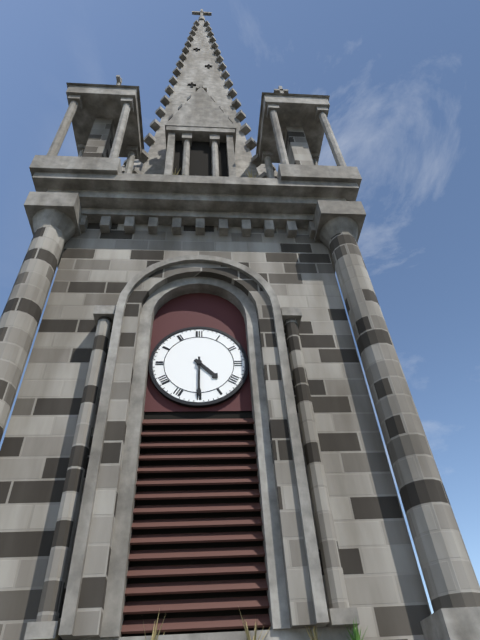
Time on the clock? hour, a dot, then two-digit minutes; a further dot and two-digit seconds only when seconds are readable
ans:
4.30
